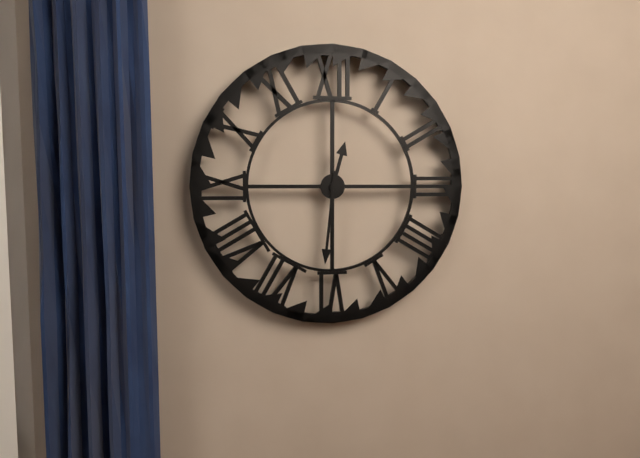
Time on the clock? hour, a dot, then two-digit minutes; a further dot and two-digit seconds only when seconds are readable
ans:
12.31
